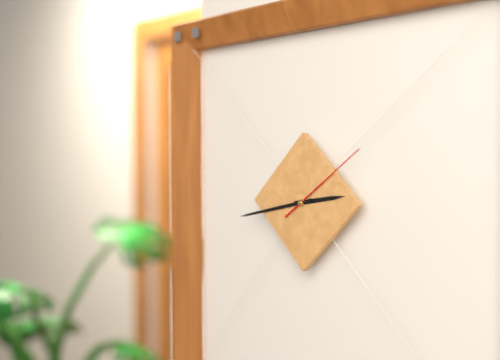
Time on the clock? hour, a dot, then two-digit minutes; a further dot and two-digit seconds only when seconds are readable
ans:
2.43.09
